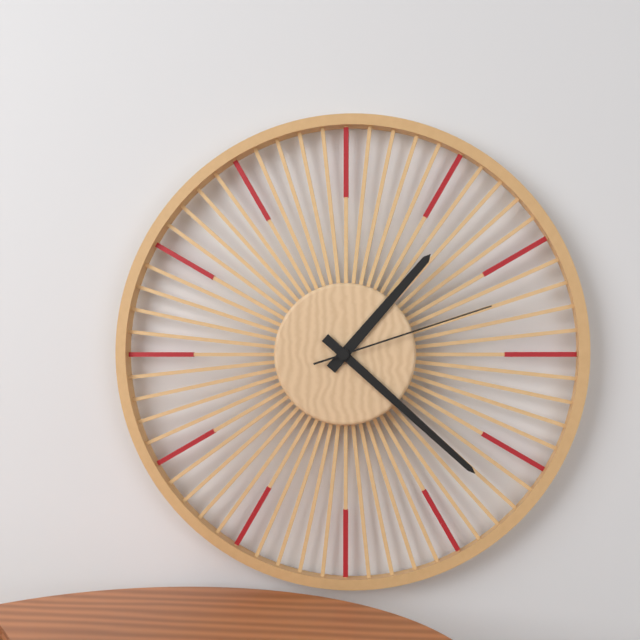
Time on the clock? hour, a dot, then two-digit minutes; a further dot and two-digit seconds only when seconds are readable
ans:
1.22.12
